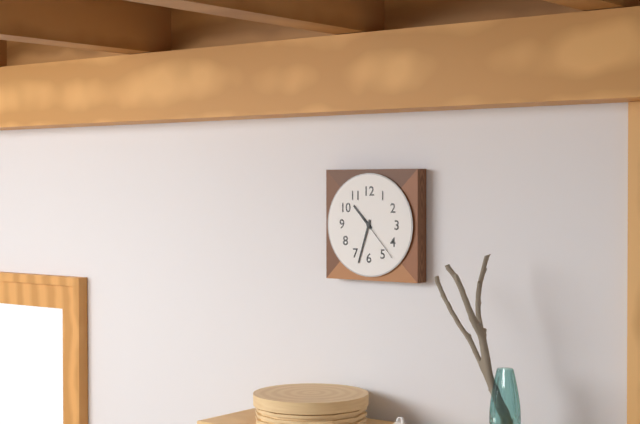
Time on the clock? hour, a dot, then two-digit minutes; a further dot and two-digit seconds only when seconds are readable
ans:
10.33.23
